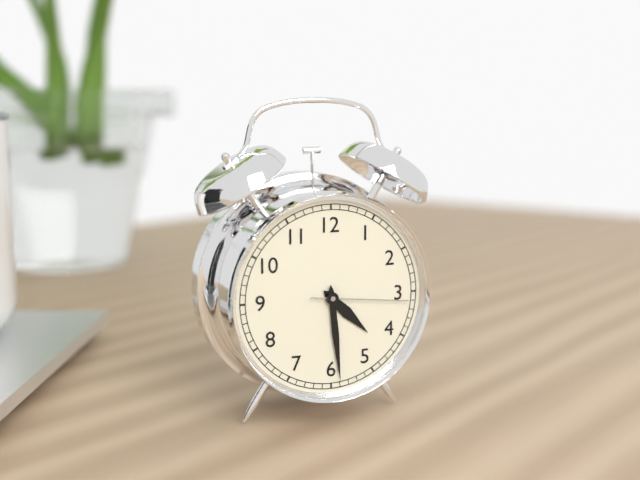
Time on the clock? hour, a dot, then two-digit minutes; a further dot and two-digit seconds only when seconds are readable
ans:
4.29.16
